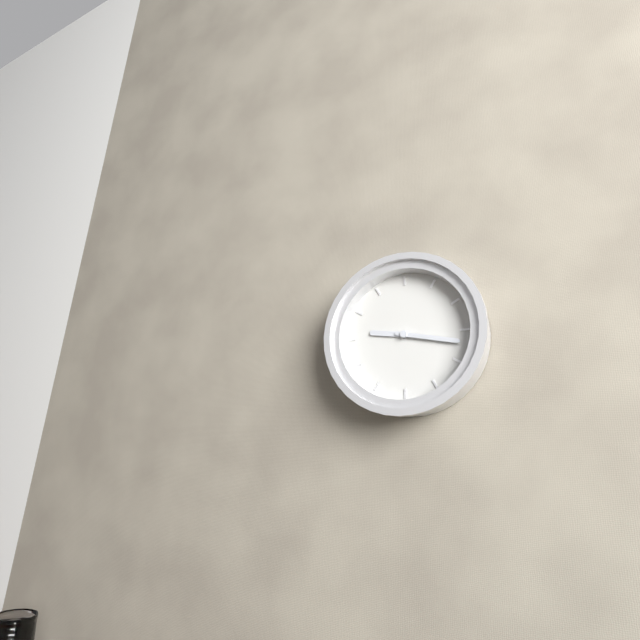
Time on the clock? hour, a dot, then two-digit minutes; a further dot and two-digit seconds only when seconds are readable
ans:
9.17
